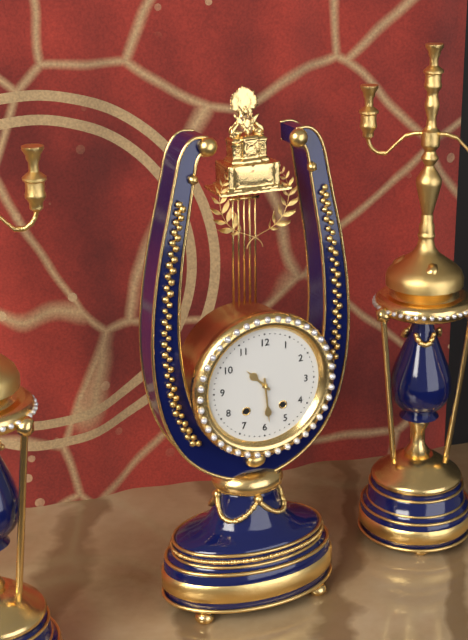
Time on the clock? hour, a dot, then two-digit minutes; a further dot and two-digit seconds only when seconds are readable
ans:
10.29
